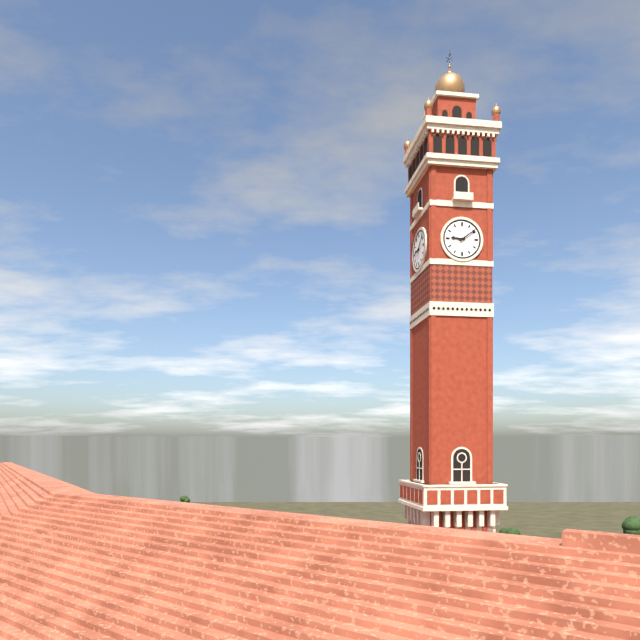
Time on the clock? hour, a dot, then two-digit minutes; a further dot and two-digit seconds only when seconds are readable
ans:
9.09
